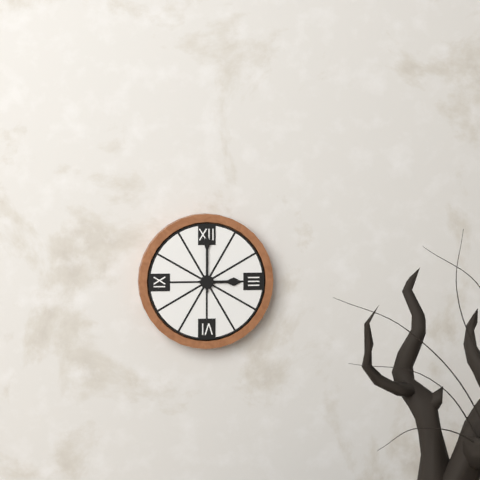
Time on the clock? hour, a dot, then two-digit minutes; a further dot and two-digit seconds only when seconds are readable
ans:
3.00
